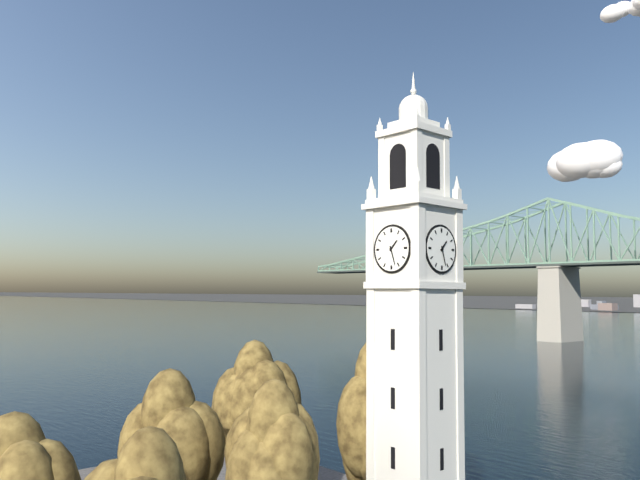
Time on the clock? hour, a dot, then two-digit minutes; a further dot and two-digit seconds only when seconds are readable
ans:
1.27
